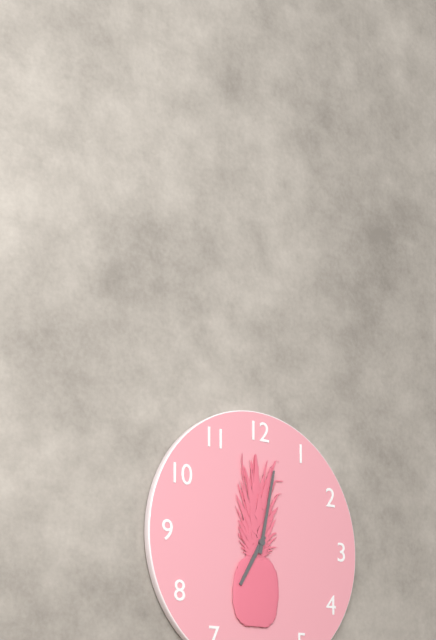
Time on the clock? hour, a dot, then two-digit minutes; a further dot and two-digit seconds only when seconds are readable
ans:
7.02
